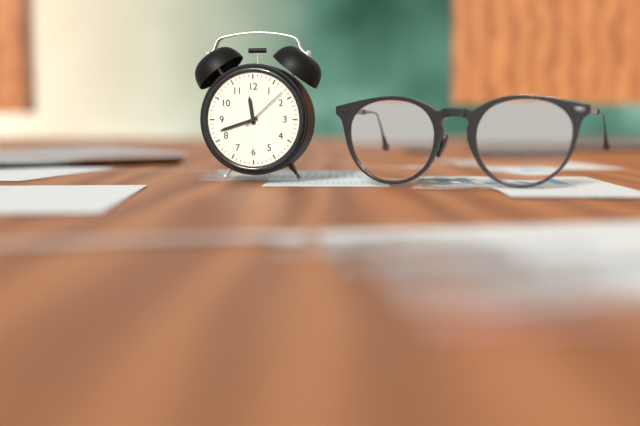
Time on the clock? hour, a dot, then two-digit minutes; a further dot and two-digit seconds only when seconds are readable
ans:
11.42
